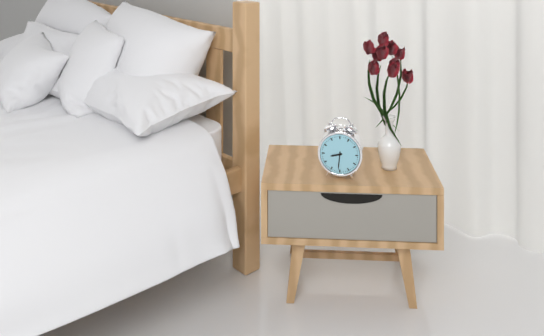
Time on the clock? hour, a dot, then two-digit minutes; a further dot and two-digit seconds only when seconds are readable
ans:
8.31
